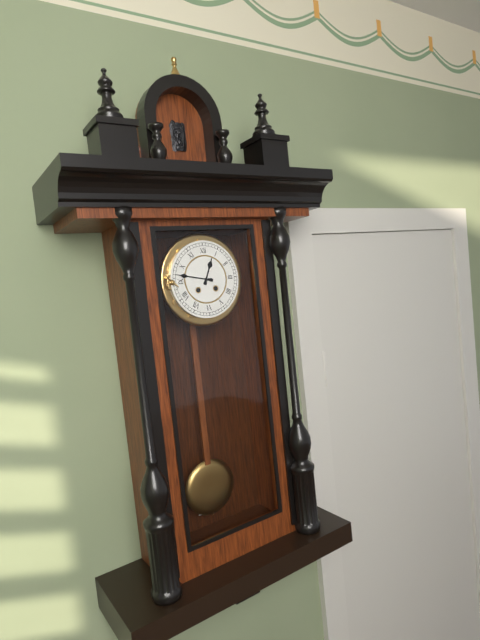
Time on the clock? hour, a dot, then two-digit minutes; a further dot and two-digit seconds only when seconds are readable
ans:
12.47
